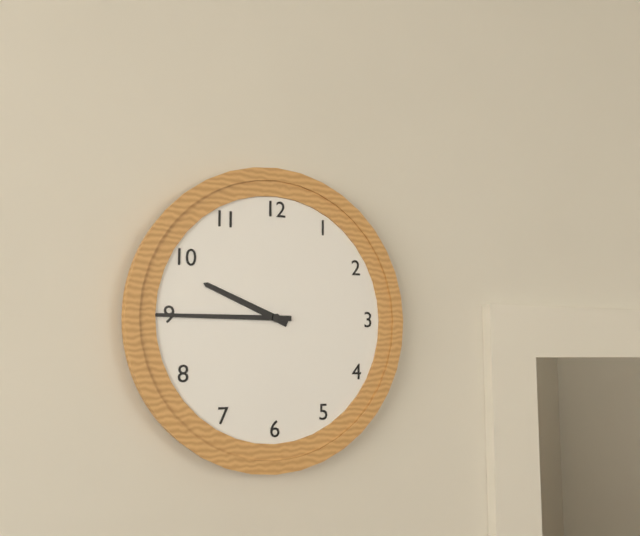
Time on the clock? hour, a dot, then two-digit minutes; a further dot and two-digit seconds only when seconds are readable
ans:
9.45
